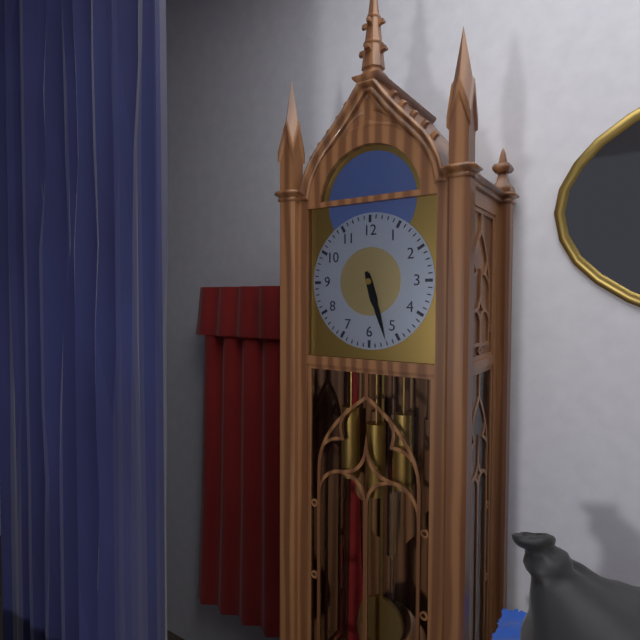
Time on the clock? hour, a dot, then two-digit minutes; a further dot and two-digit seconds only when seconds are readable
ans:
5.27
